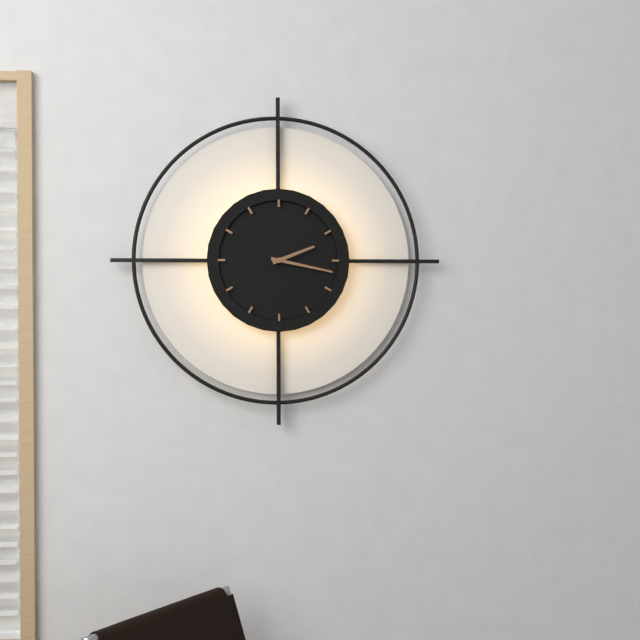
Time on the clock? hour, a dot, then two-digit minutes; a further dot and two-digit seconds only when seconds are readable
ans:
2.17
